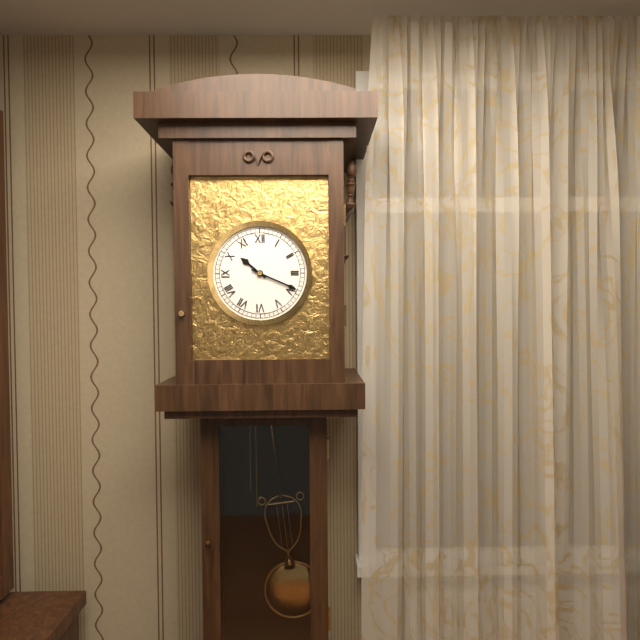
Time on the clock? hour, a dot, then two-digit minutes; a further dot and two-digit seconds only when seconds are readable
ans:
10.19
